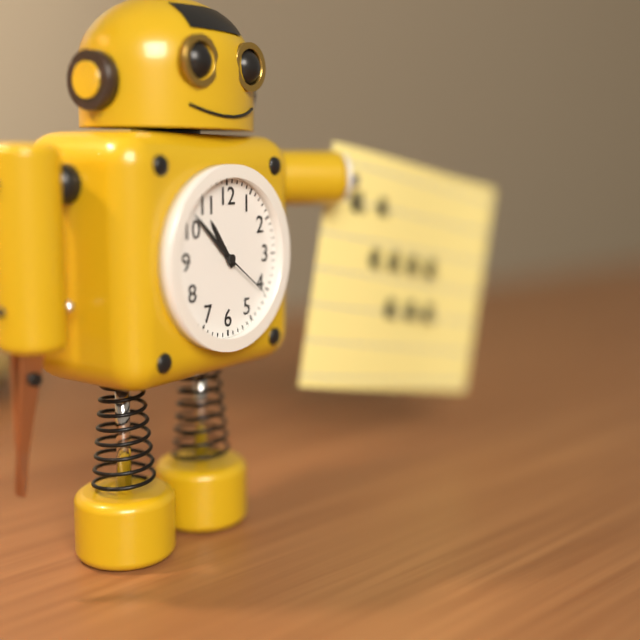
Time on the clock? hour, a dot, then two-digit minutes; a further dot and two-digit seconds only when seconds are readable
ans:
10.52.21
